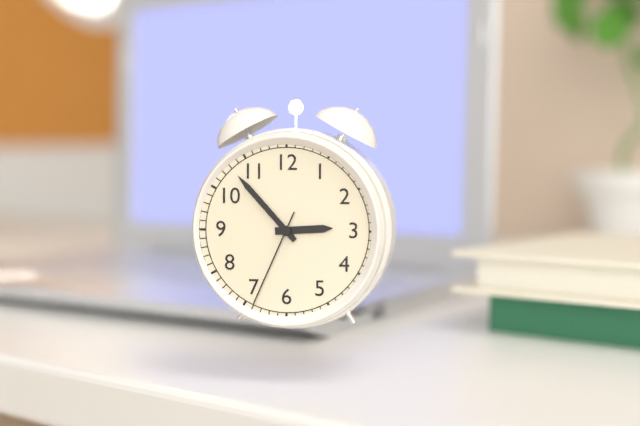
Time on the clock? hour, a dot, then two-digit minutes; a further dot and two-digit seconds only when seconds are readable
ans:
2.53.34
